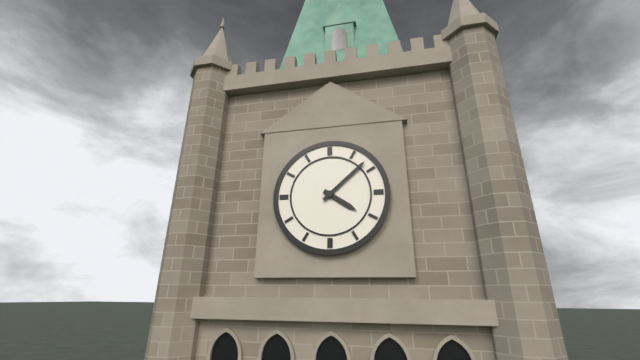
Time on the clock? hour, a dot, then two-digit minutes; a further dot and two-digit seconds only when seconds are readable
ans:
4.08
